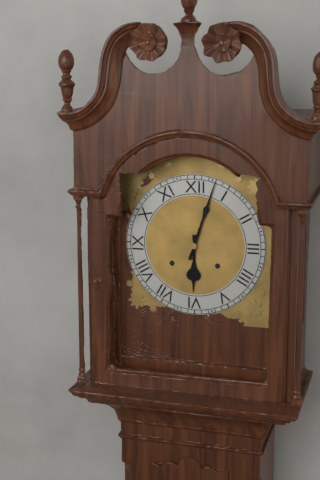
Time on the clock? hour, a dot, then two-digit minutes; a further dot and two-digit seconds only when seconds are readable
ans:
6.03
